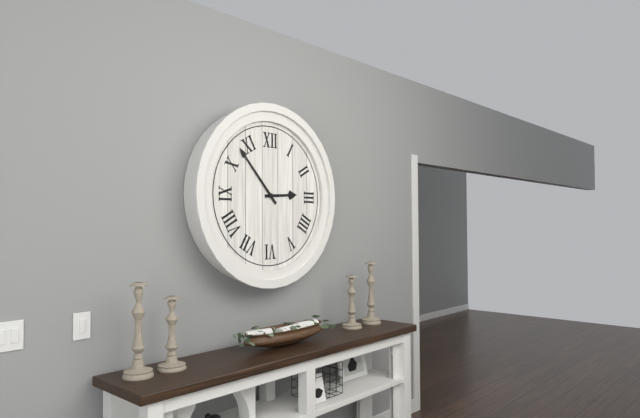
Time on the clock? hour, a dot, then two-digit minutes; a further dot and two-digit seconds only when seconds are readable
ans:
2.53
